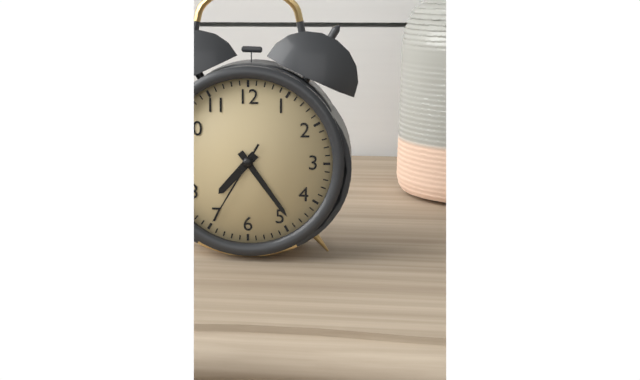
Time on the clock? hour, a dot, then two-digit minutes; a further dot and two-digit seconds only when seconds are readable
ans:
7.24.35
